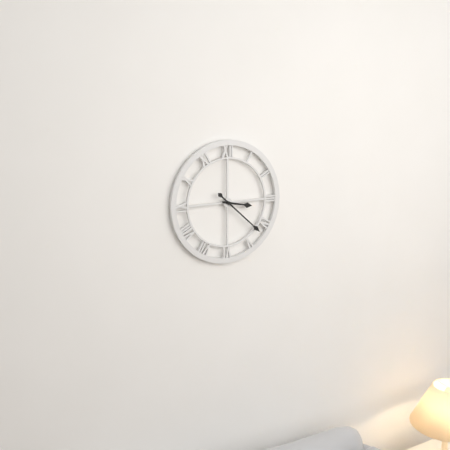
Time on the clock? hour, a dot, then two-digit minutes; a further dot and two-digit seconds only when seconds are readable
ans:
3.22
